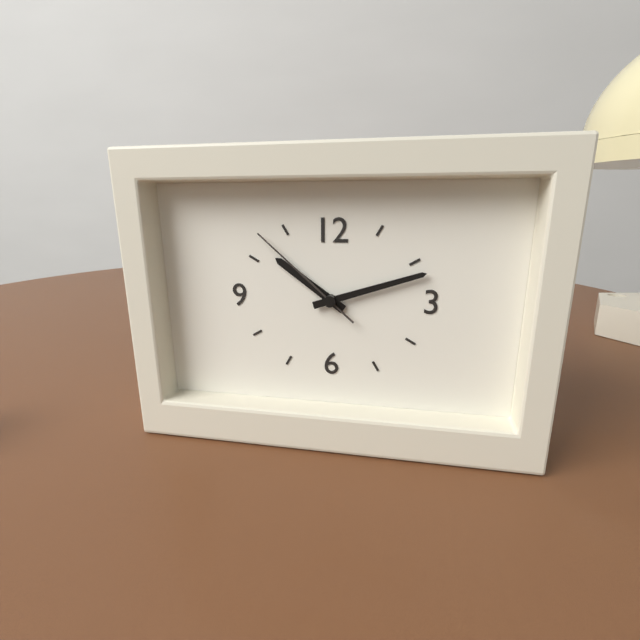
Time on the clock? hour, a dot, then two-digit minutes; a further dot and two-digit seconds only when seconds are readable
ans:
10.12.52
